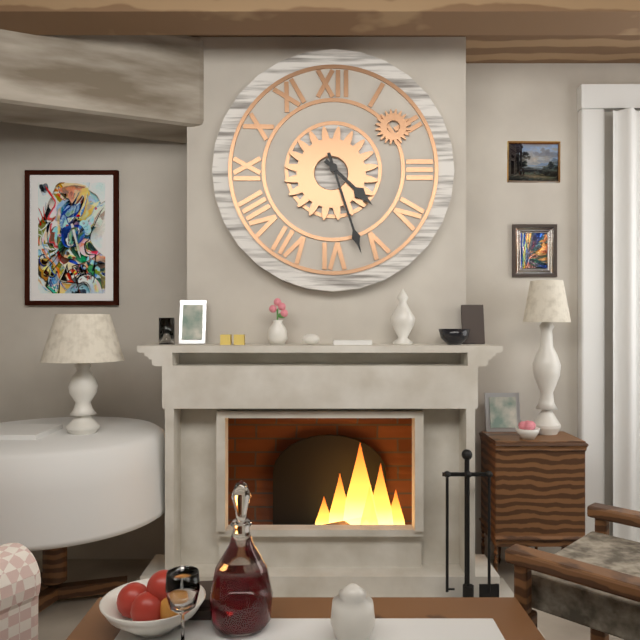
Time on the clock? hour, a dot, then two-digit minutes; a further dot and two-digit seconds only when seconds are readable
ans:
4.27
